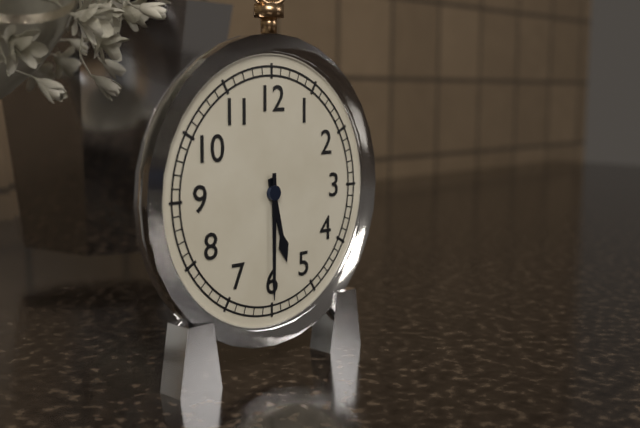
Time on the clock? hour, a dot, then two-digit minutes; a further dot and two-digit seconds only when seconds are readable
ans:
5.30
